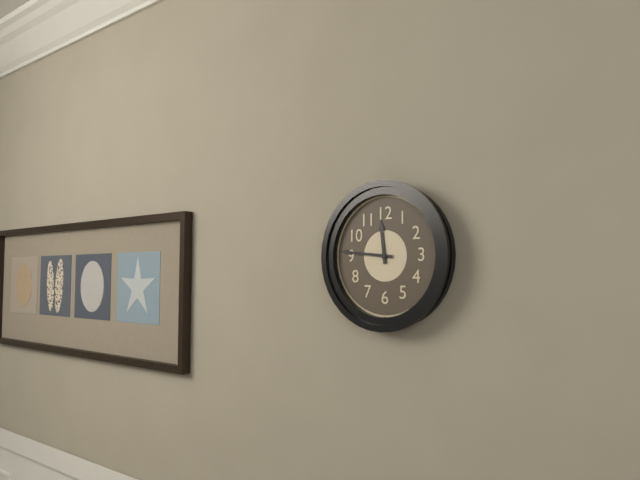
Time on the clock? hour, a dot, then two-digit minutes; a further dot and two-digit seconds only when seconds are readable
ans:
11.46
